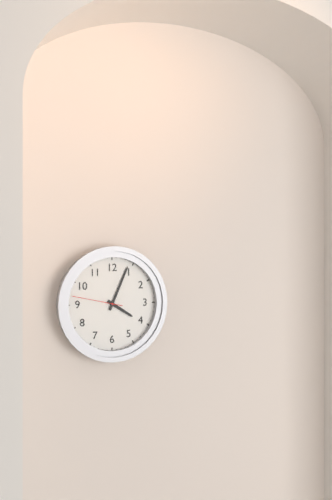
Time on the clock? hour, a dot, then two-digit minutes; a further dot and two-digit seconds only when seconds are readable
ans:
4.04.47
